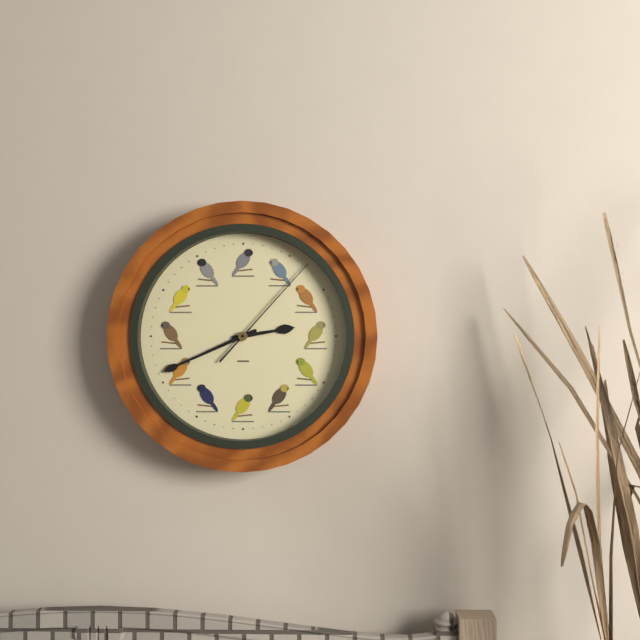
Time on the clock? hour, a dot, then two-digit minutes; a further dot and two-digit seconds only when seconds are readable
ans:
2.41.07
